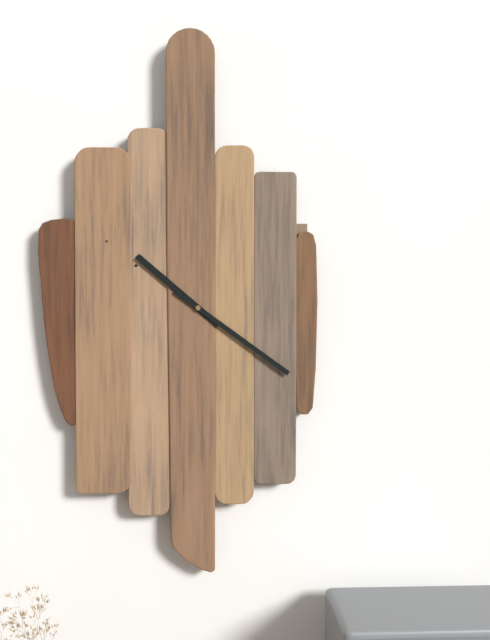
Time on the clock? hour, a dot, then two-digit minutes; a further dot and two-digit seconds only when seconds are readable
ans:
10.21
